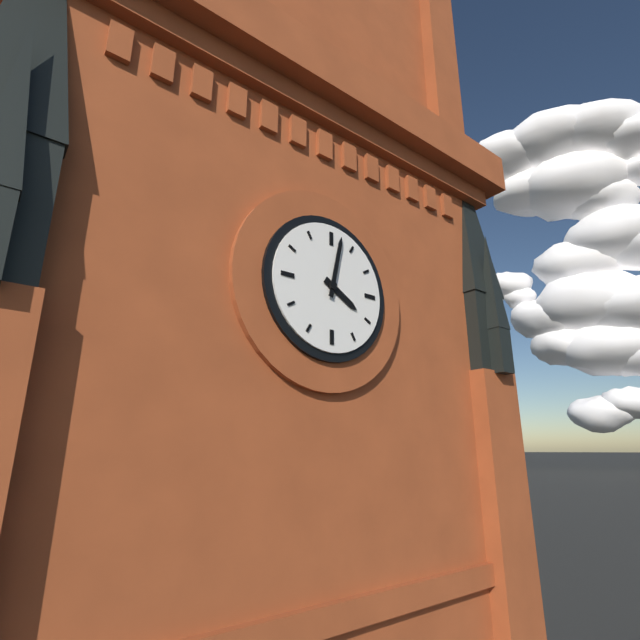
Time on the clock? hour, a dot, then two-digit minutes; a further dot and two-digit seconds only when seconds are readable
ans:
4.02
